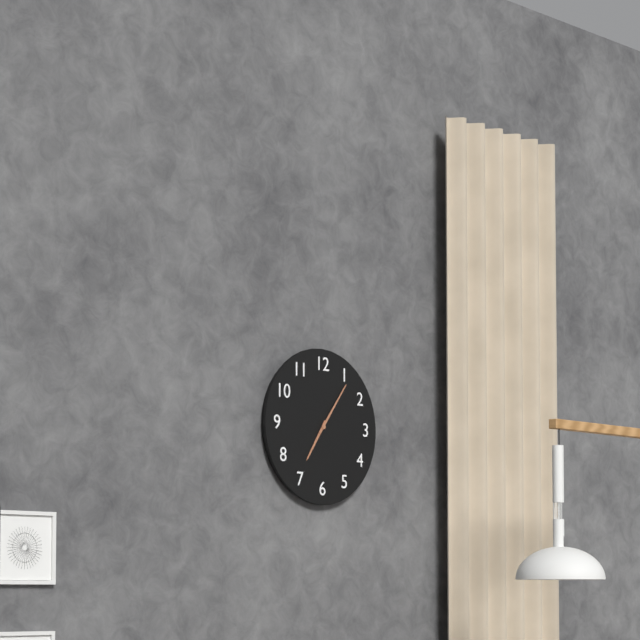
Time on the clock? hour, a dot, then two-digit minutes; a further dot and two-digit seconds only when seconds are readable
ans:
7.06
